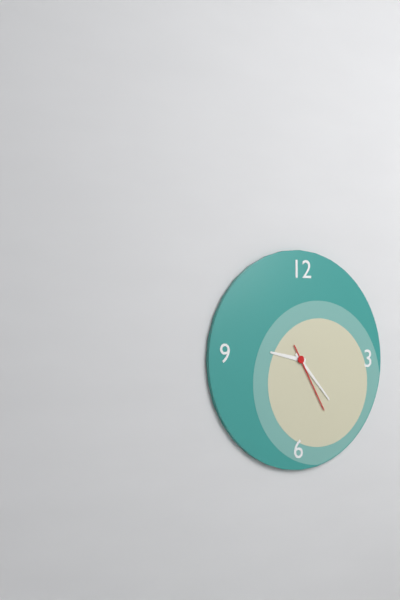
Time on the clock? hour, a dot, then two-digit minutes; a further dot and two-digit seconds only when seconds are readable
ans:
9.23.25
